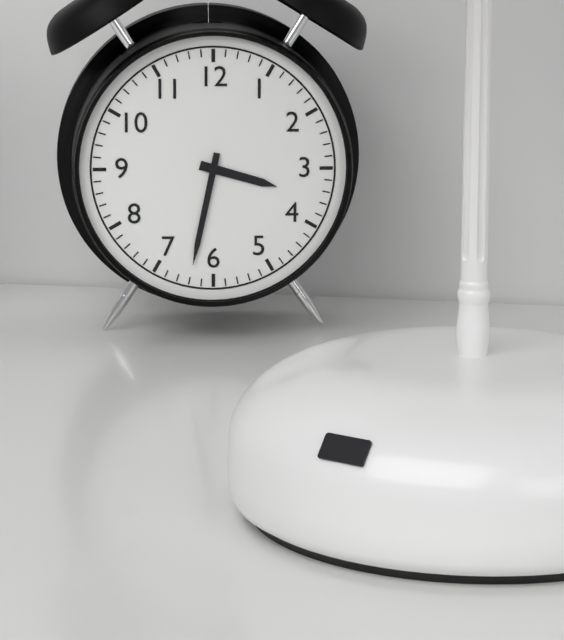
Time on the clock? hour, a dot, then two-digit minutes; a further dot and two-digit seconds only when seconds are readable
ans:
3.32
